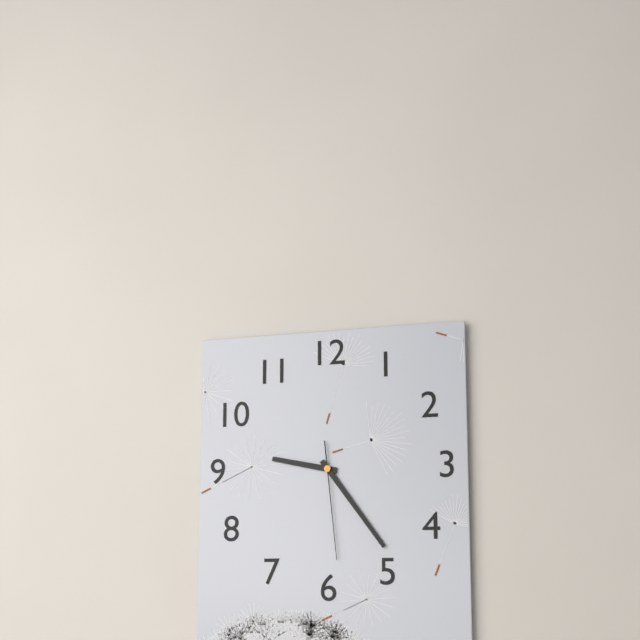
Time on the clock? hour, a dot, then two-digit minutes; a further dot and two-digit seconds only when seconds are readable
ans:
9.24.29
